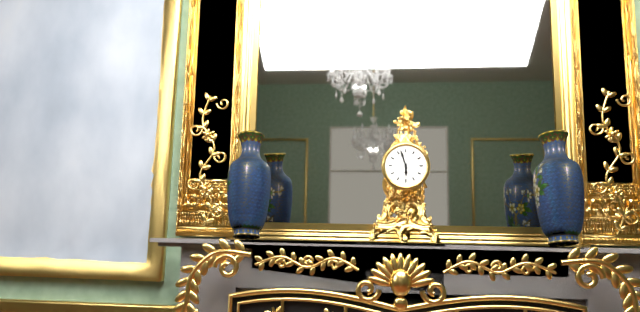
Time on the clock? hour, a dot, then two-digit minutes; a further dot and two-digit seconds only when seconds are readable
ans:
5.57
